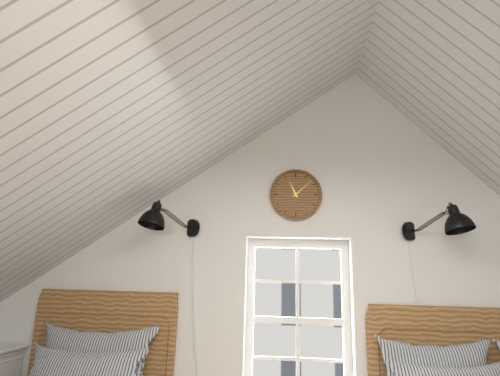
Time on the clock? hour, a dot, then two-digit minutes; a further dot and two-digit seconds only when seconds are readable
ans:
11.08
